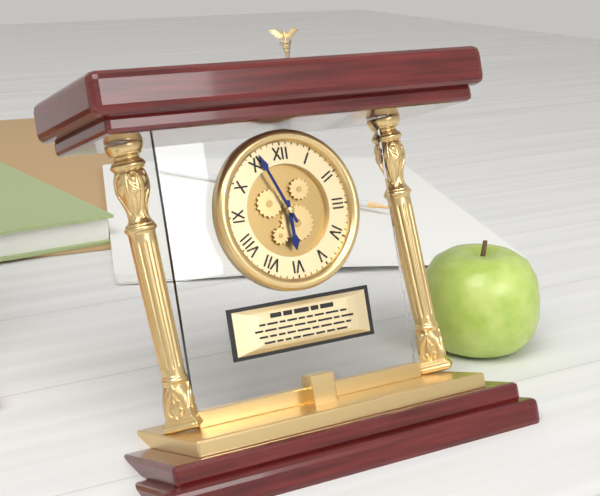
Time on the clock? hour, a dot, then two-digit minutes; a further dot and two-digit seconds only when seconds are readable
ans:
5.56
